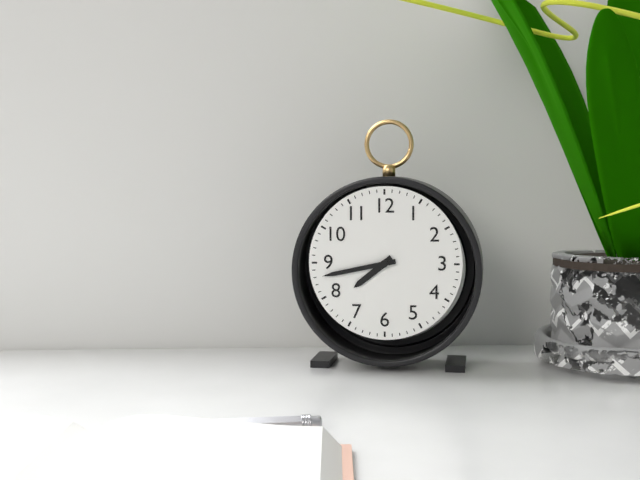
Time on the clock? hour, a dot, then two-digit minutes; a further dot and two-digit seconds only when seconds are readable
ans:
7.43
